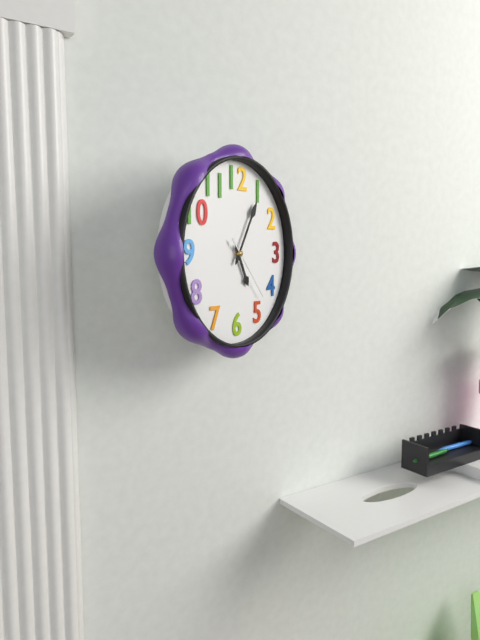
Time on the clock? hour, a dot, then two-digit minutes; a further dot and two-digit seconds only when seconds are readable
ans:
5.05.23
